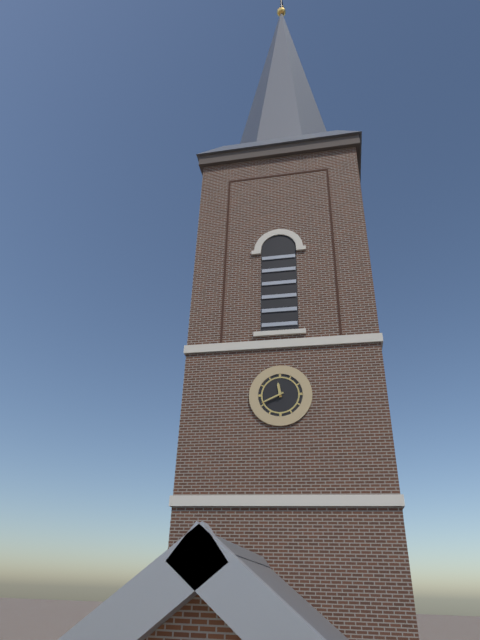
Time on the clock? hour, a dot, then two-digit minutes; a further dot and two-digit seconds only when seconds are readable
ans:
11.41
